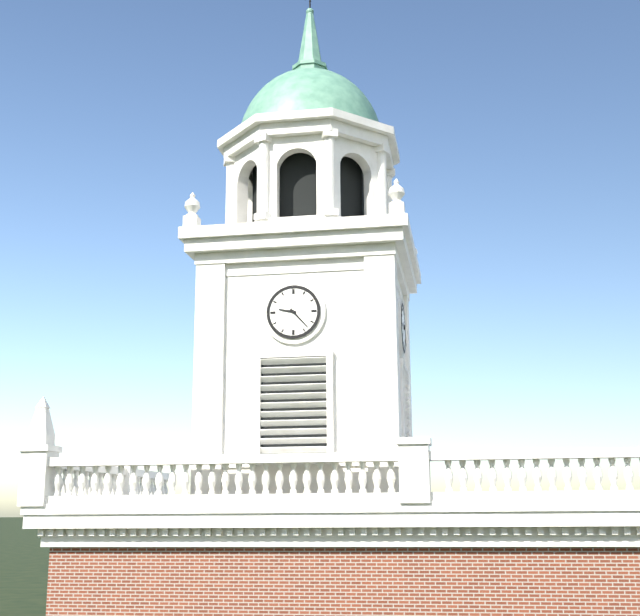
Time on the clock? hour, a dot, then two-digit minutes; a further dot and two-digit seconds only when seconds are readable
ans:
9.23
